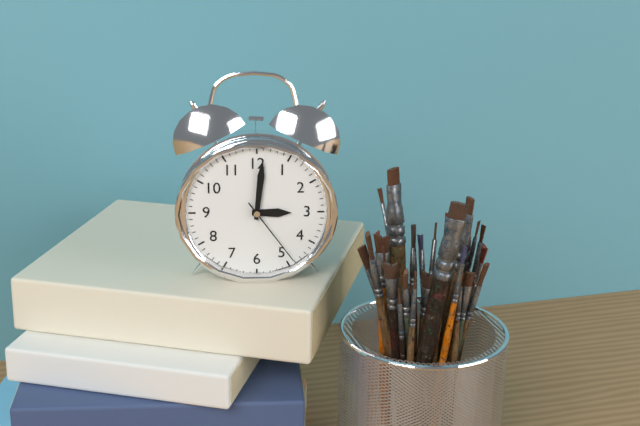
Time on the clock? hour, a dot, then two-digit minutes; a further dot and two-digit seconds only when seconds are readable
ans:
3.01.24
